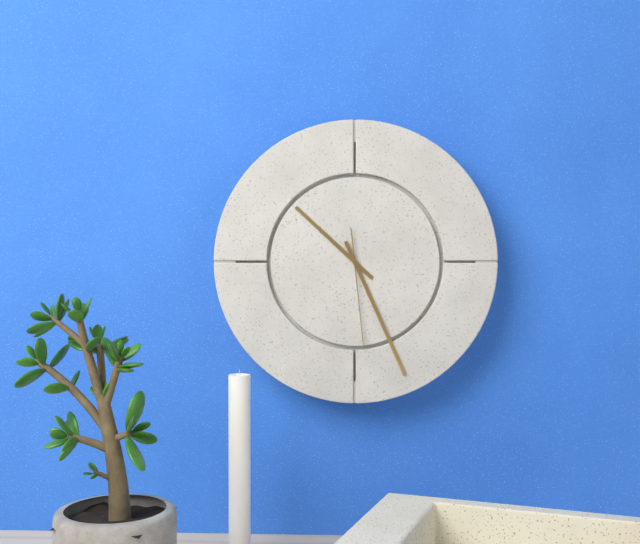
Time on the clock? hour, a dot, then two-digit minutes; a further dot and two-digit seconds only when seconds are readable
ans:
10.26.29
